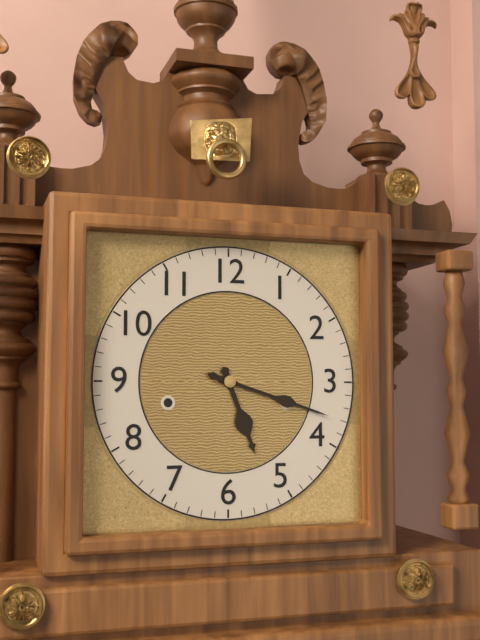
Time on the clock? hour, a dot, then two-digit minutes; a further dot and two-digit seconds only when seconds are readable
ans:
5.18
